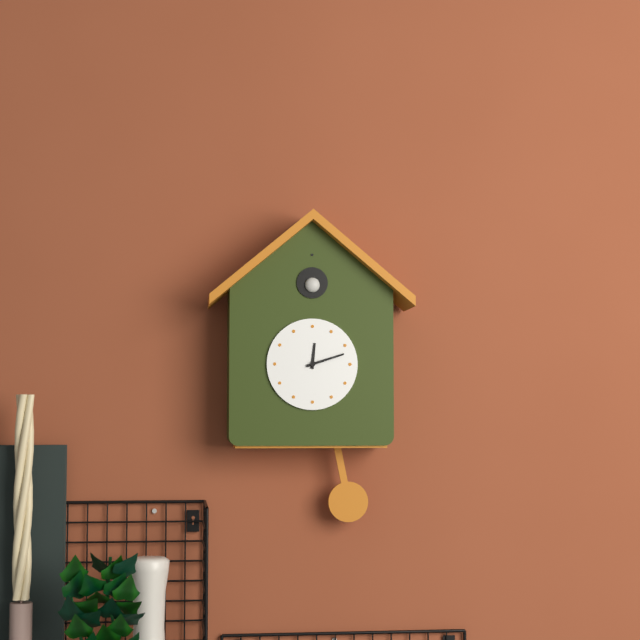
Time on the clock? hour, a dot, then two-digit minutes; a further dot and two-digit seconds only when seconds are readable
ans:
12.12
